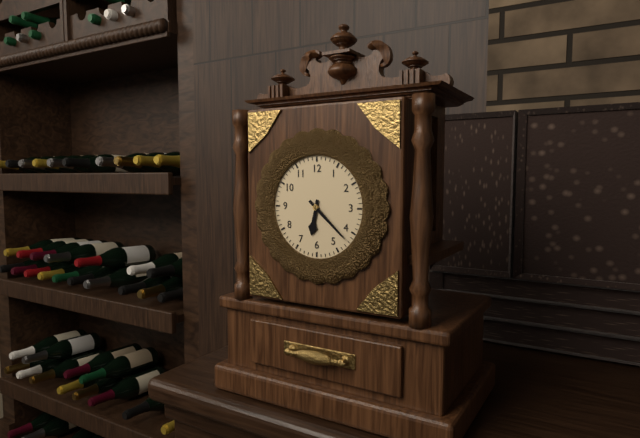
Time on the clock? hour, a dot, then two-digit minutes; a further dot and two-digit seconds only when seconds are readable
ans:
6.22
